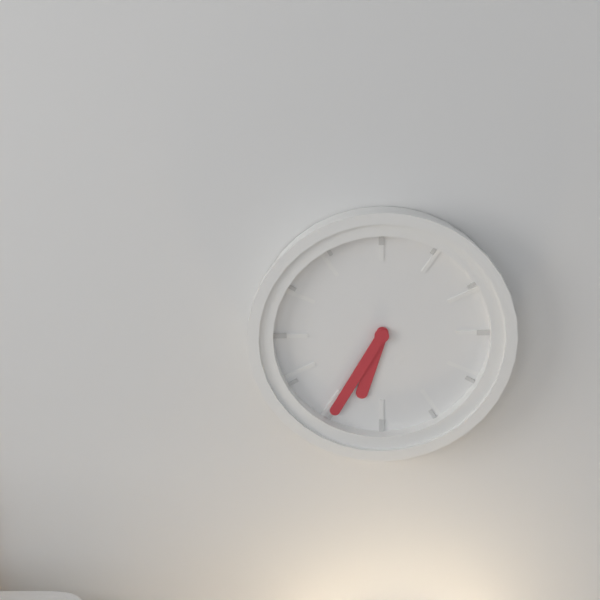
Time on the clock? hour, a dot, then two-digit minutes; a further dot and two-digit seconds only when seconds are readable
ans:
6.35
